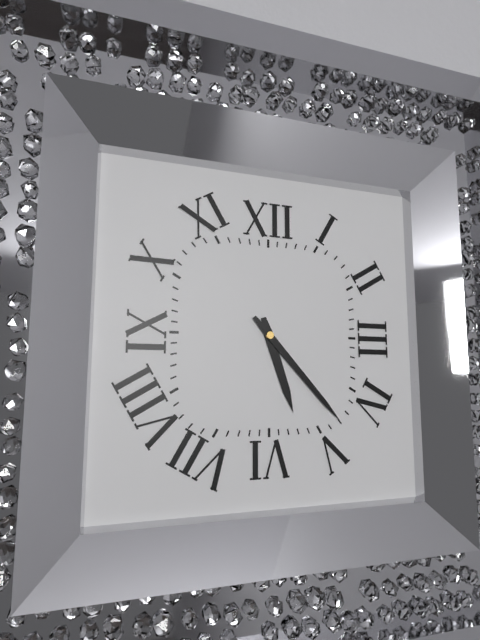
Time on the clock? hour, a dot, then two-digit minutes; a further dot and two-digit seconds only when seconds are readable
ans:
5.23
